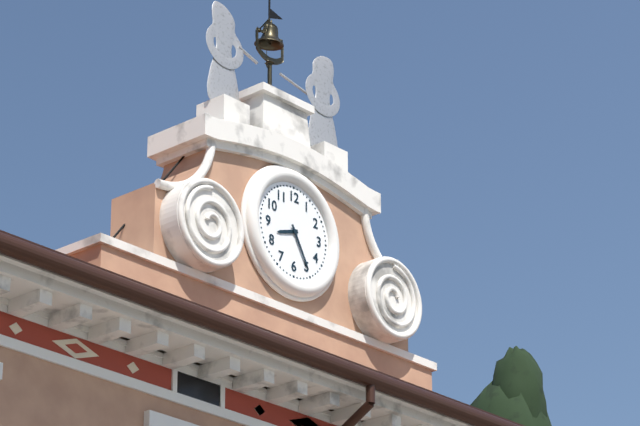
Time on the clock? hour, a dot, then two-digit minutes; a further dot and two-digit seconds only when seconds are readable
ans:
8.25
